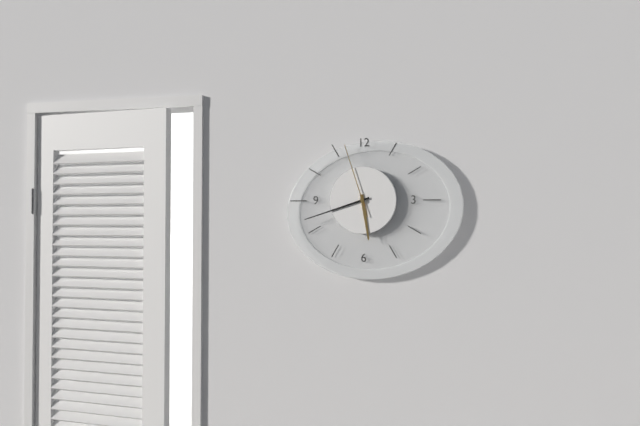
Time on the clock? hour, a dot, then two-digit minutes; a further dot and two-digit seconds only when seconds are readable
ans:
5.42.57
